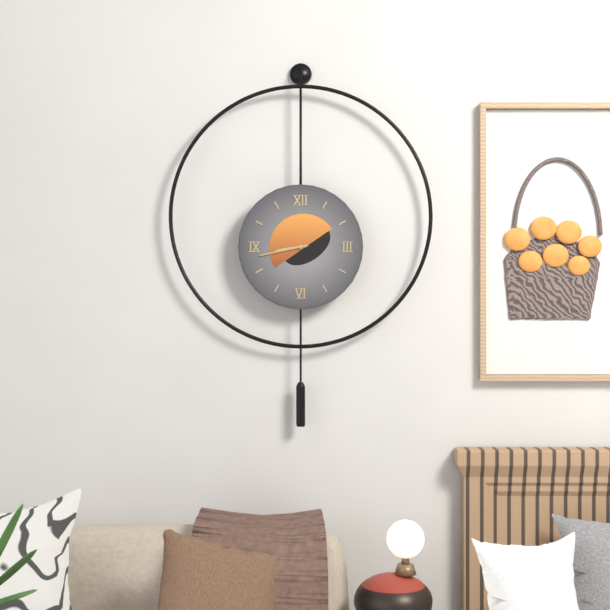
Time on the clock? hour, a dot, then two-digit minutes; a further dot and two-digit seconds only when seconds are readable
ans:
8.43
